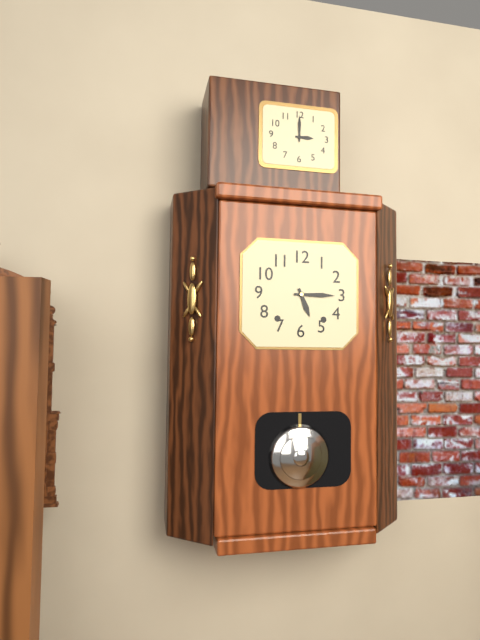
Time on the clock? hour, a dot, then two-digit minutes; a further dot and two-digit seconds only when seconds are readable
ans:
5.15
